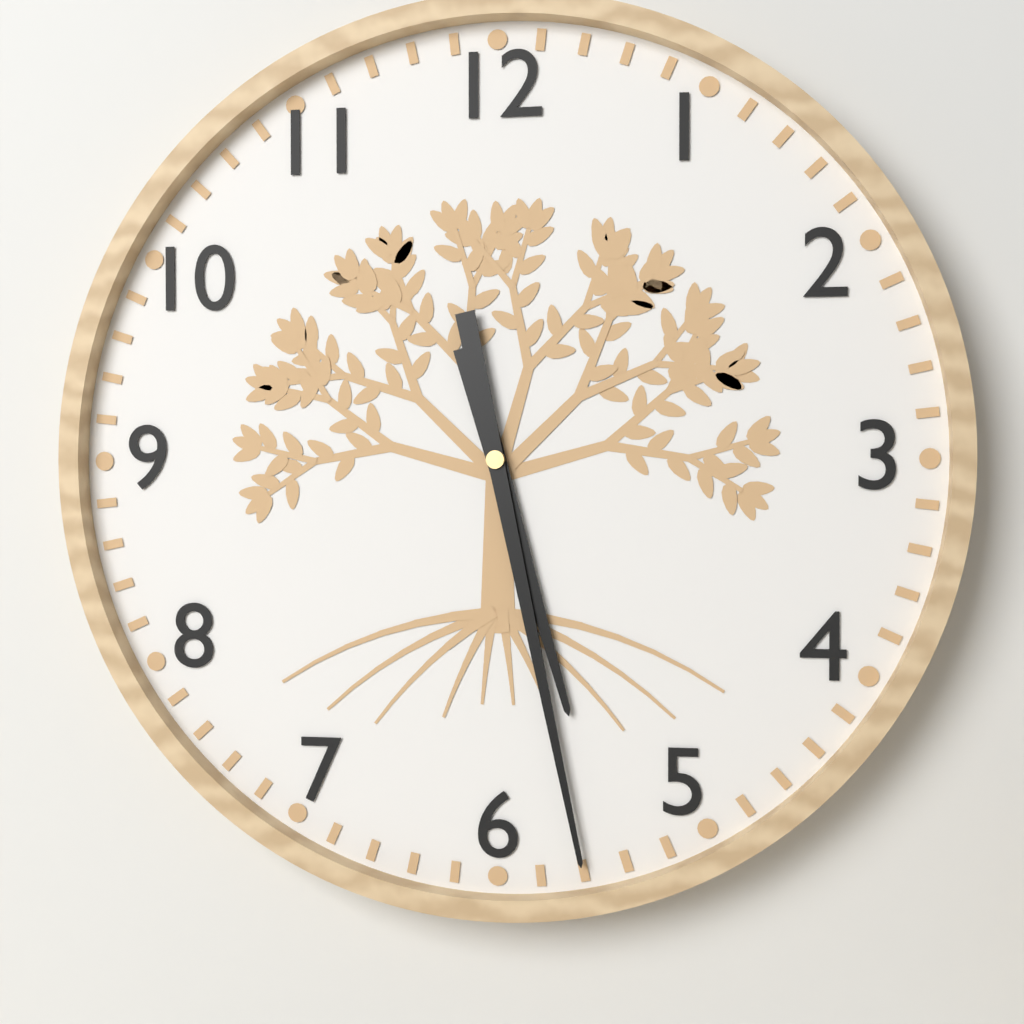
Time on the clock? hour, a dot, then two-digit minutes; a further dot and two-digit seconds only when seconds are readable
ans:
5.28
